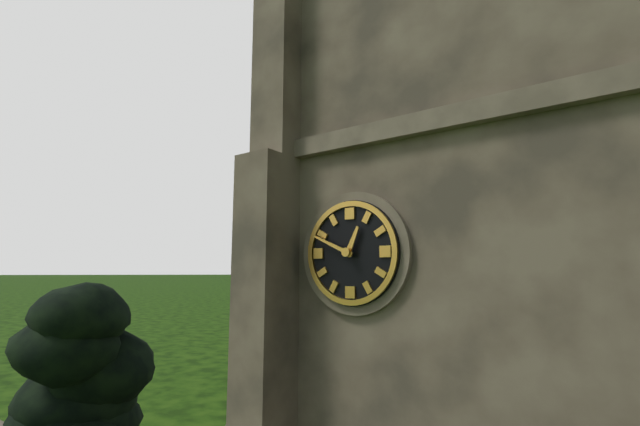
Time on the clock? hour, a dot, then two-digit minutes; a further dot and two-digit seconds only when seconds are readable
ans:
12.49
